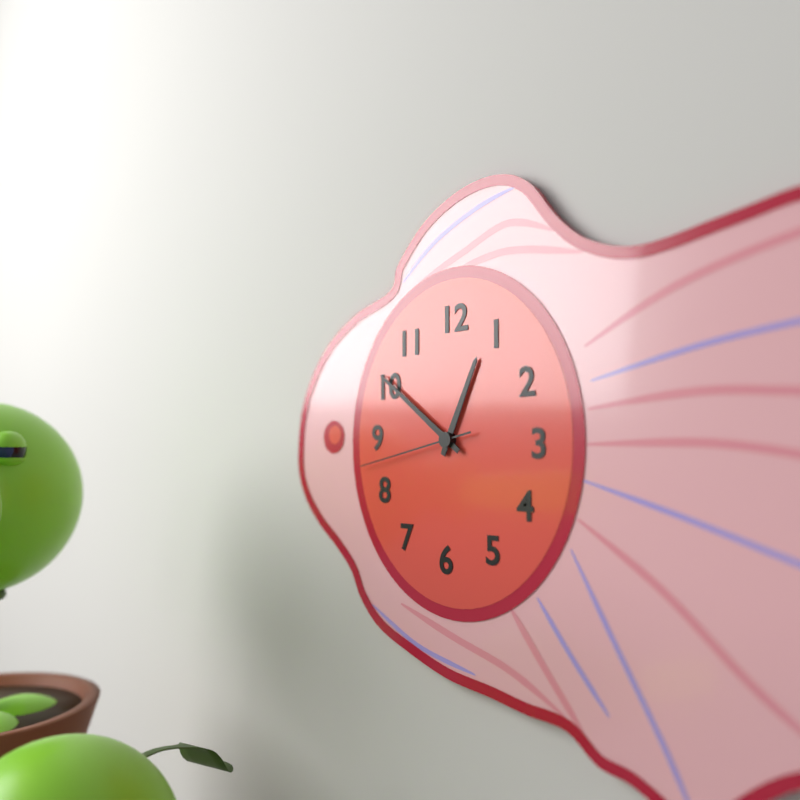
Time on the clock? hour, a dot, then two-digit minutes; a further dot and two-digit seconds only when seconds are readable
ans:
12.51.43
